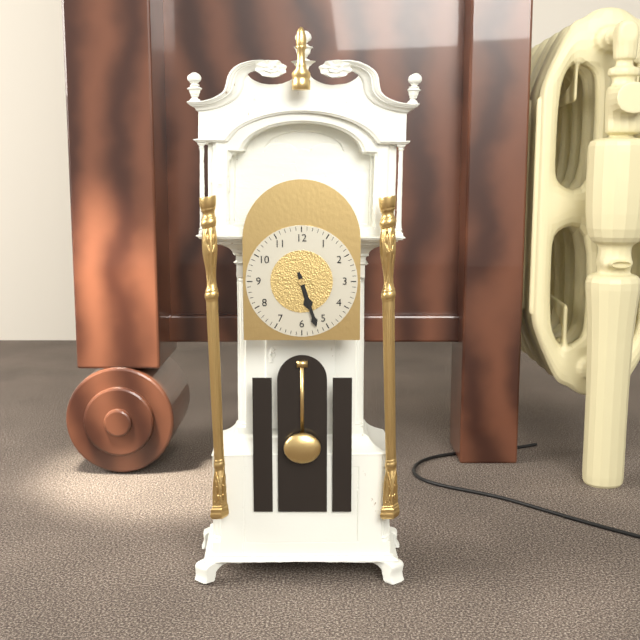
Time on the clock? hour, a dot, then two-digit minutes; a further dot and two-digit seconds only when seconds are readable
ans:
5.27
